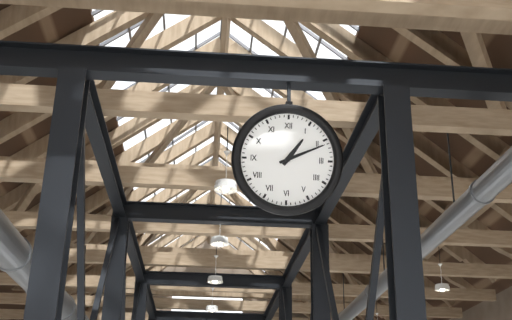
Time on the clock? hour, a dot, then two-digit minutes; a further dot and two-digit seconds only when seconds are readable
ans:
1.11
